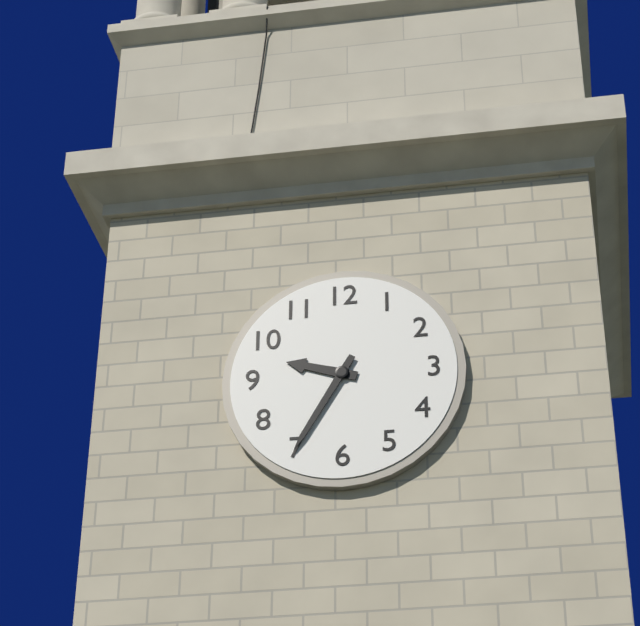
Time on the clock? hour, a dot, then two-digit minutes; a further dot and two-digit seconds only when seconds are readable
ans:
9.35
